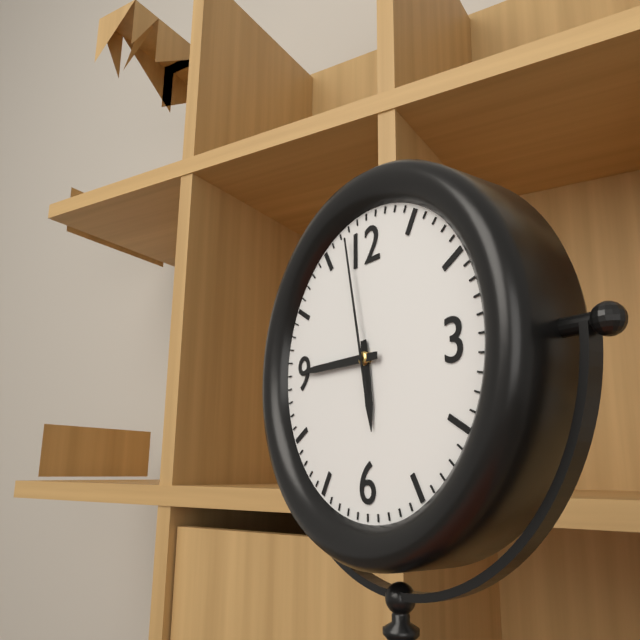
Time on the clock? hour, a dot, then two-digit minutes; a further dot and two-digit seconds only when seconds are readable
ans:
5.45.58
